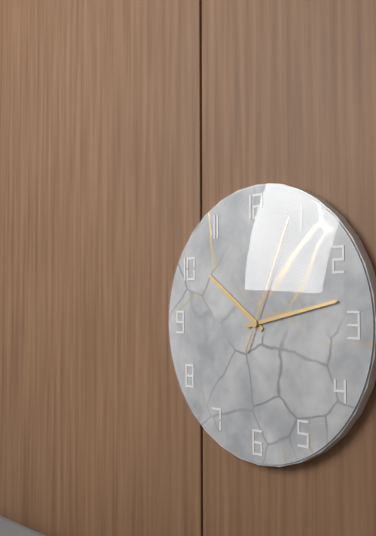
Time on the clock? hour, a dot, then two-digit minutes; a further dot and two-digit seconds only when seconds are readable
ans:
10.13.04
